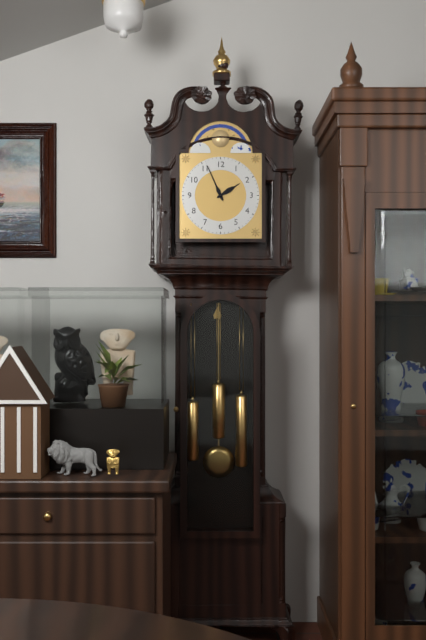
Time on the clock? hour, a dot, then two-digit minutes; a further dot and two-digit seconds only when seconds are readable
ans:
1.56
